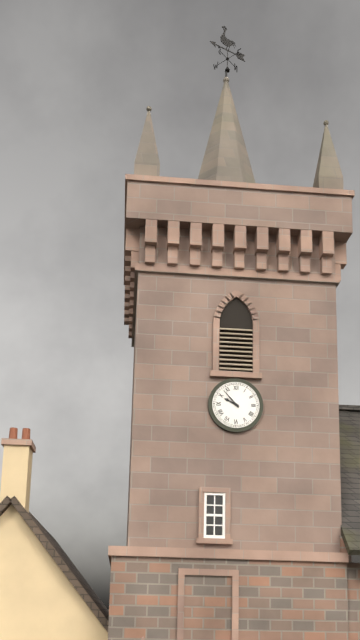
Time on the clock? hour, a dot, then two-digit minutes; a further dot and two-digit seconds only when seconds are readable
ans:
9.53
